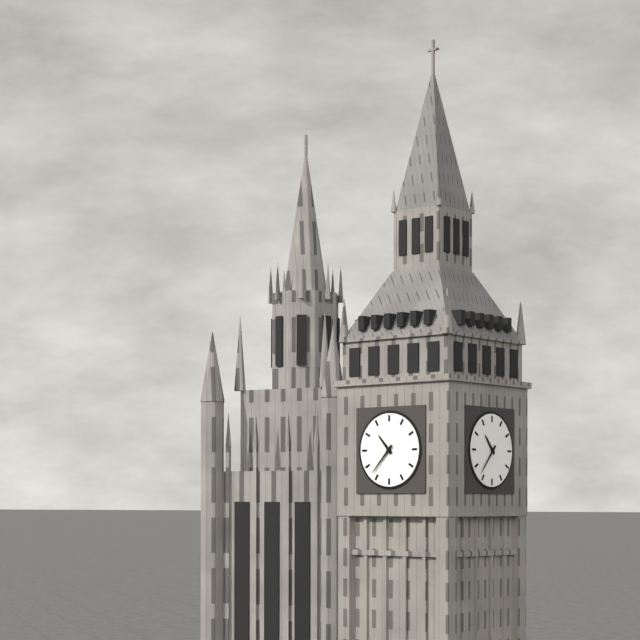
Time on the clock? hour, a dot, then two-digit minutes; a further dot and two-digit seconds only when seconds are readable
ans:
10.37
